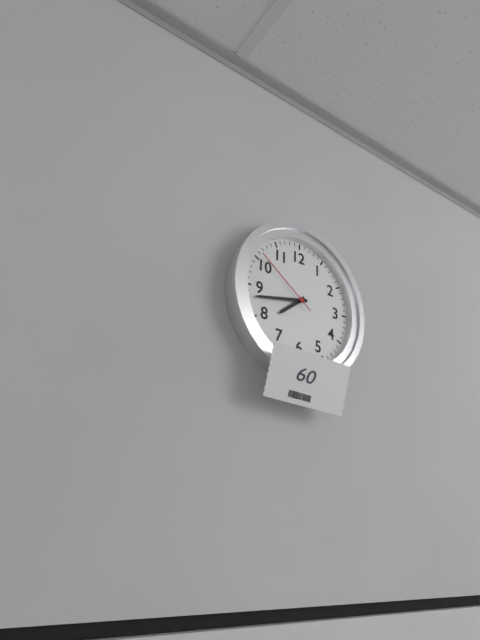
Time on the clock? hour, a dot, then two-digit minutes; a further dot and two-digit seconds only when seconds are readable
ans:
7.43.51
